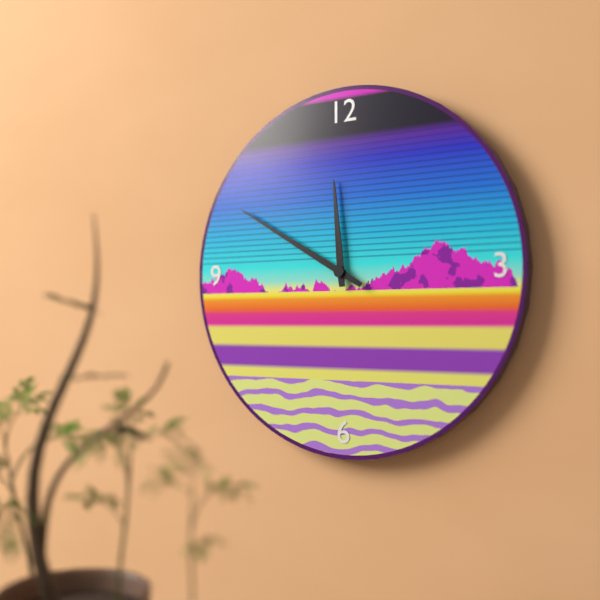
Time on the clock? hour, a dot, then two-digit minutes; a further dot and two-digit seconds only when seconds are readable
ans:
11.50
